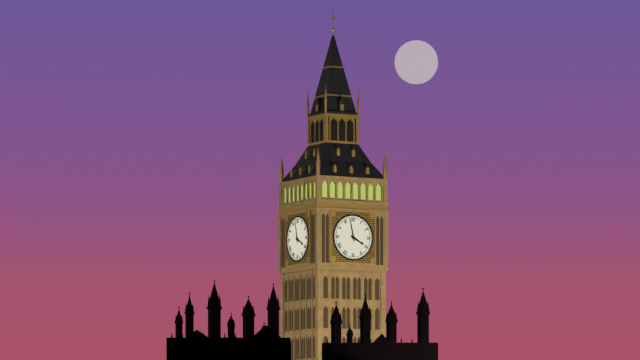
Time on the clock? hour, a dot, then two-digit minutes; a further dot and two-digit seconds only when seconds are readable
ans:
3.58
